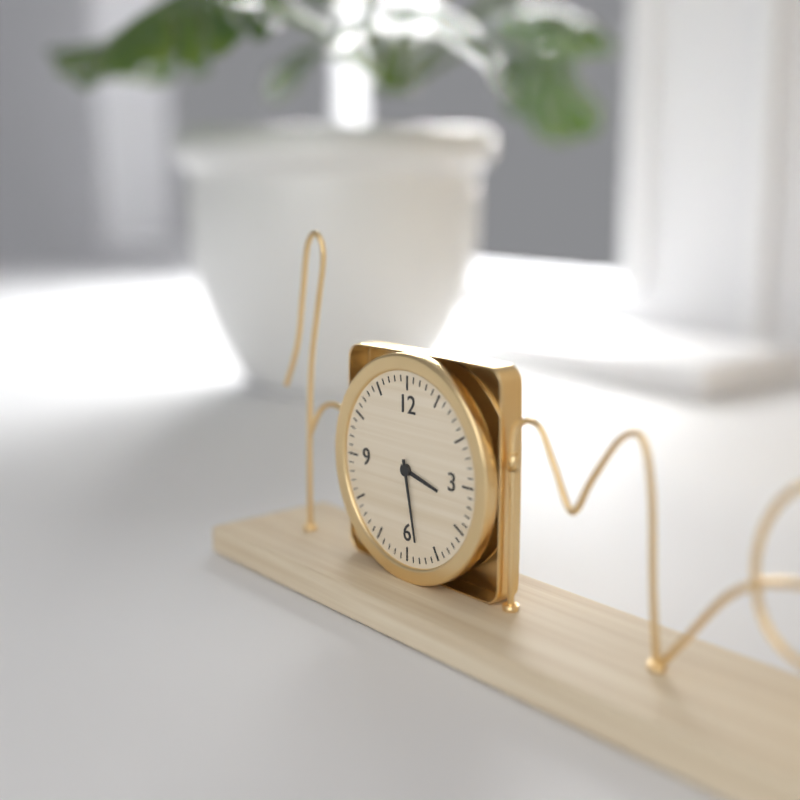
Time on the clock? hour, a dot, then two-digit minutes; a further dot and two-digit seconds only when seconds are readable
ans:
3.28
